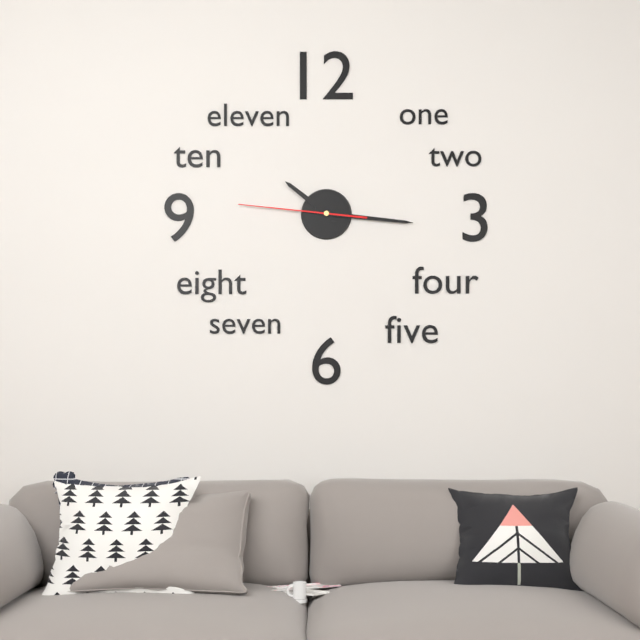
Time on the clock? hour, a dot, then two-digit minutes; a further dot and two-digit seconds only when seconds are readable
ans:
10.16.46
